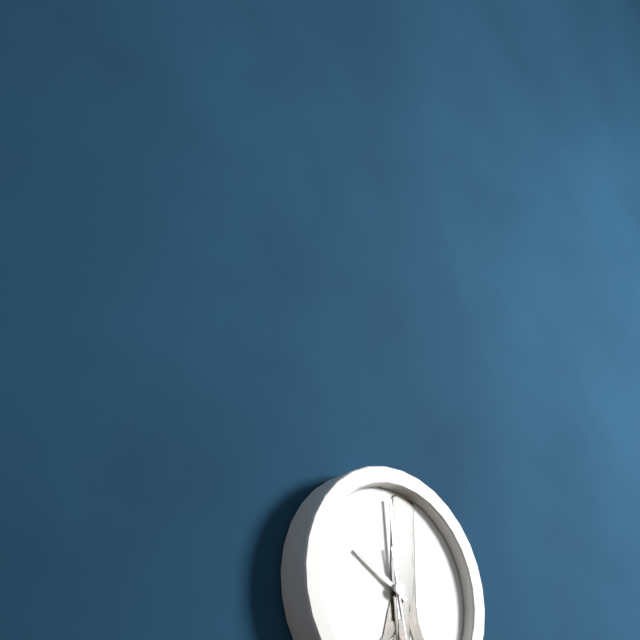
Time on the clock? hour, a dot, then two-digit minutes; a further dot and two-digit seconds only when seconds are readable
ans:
9.59
